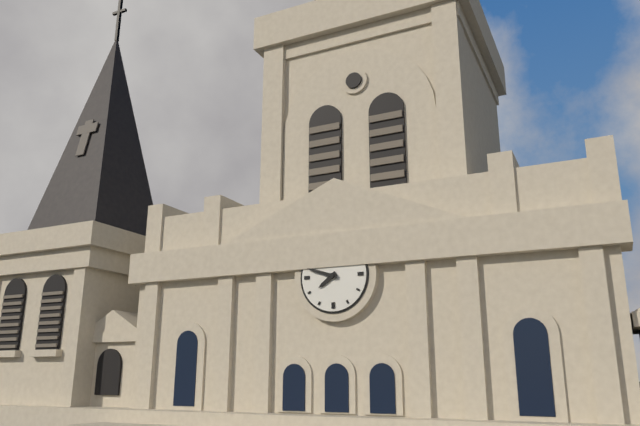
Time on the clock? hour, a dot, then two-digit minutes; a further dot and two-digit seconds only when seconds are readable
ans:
7.48
